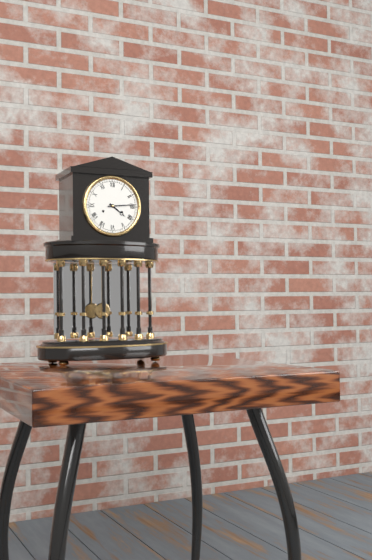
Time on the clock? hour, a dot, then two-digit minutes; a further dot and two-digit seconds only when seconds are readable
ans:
4.14
